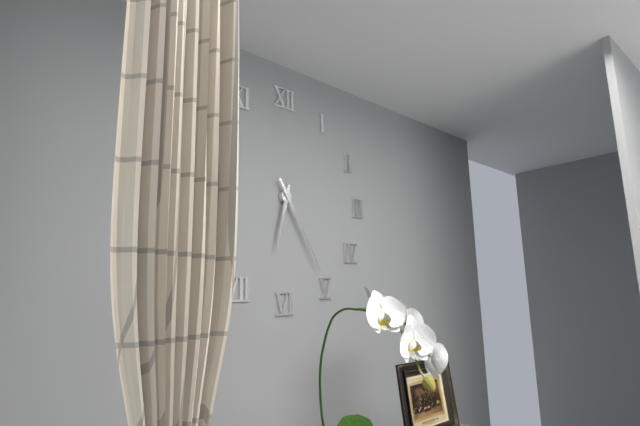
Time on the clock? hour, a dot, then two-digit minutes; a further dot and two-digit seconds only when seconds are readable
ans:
6.25
